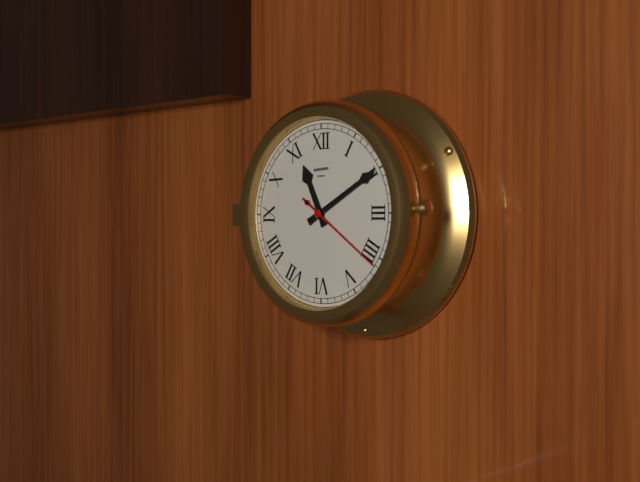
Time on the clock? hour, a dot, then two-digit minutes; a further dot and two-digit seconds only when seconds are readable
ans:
11.10.21
